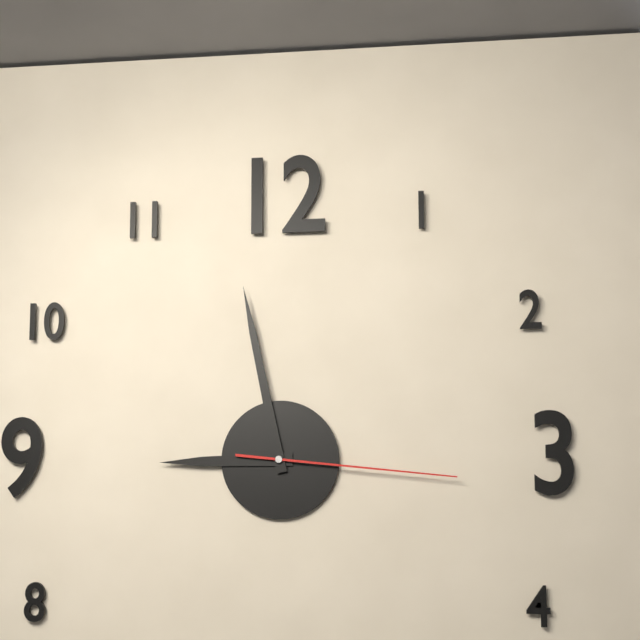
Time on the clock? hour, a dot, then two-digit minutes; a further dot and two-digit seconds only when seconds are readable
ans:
8.58.16
